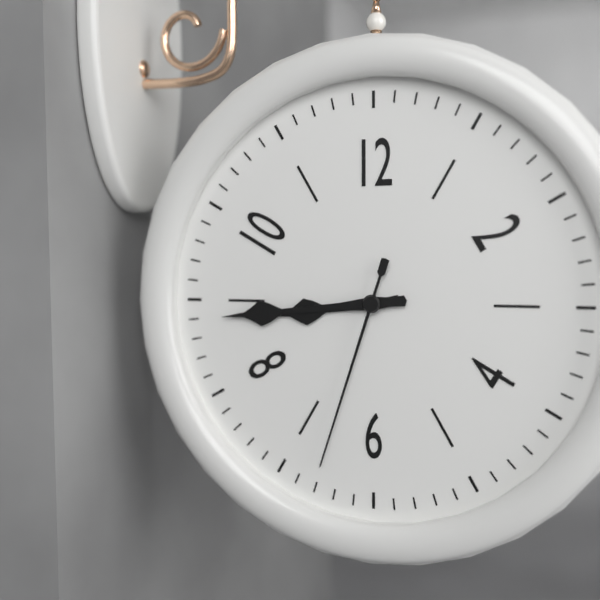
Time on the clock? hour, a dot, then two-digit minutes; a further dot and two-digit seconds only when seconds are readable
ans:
8.44.33
